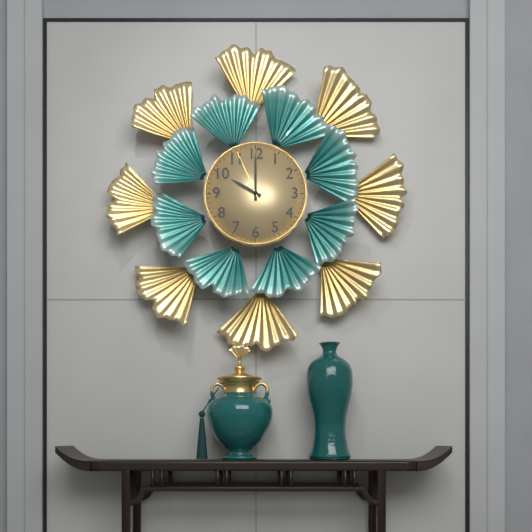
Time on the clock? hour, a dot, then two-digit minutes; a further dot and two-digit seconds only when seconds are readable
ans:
10.00.56
